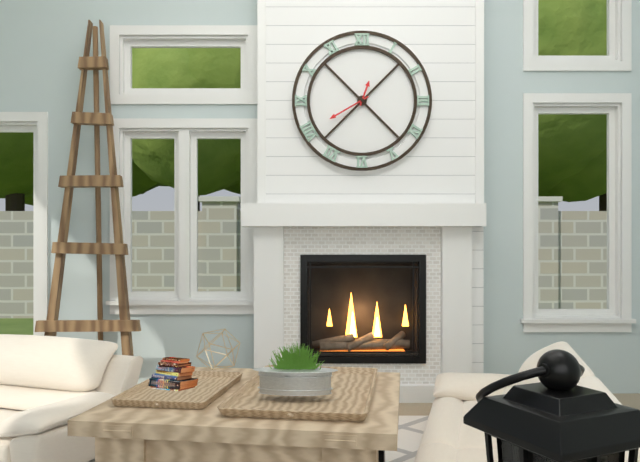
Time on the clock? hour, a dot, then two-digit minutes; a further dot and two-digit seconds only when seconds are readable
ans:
12.40
